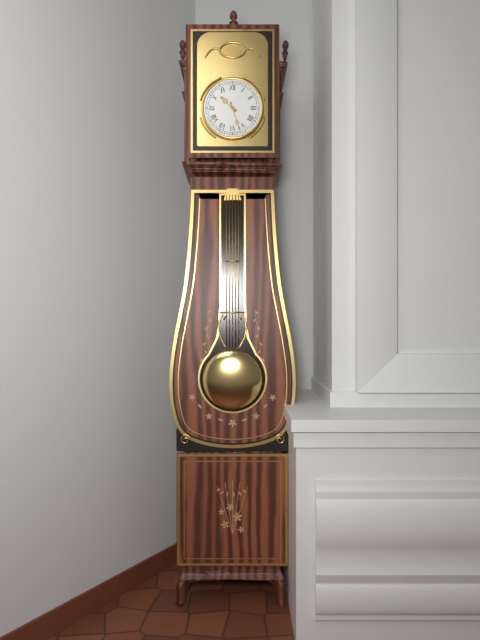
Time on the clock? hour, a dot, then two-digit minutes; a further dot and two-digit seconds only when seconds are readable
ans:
10.27
